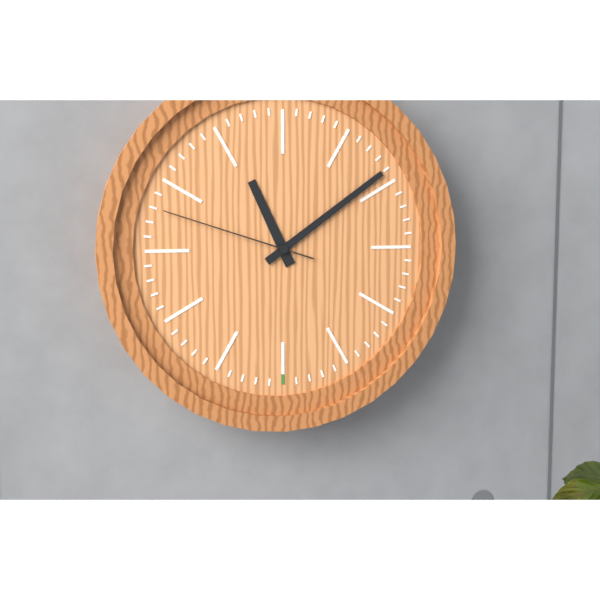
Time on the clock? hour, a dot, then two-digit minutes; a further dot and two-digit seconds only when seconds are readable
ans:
11.09.48
